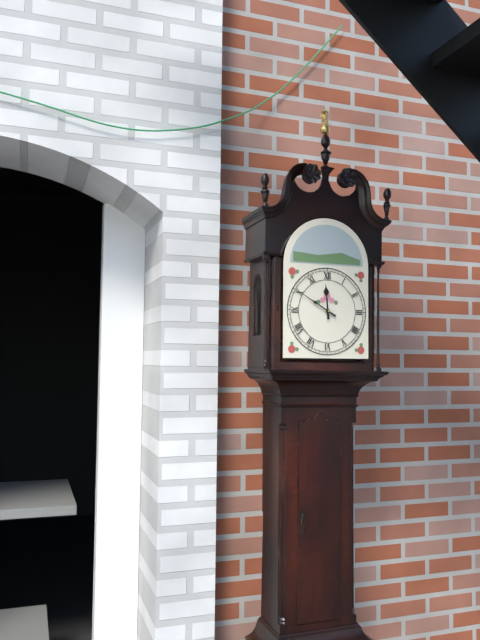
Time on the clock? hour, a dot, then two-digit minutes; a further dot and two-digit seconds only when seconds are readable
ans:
11.50
